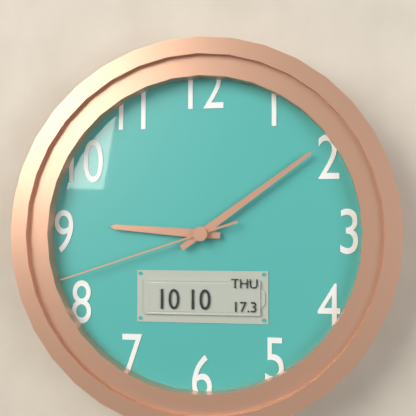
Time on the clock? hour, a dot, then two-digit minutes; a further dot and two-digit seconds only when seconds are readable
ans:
9.09.42
